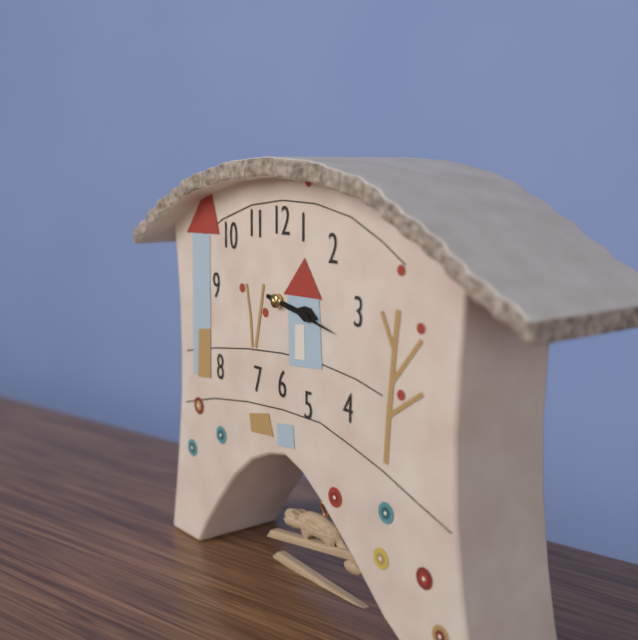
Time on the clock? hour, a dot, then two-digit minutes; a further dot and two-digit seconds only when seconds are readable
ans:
3.17
